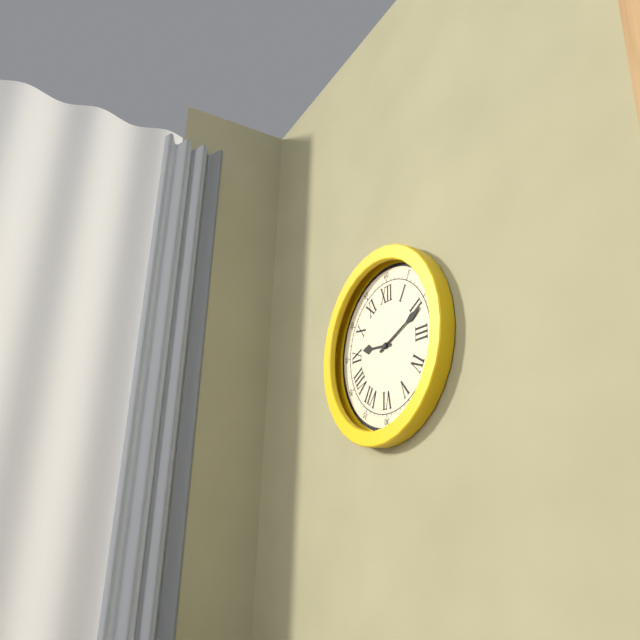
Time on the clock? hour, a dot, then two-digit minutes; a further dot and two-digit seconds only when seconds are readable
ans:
9.11
